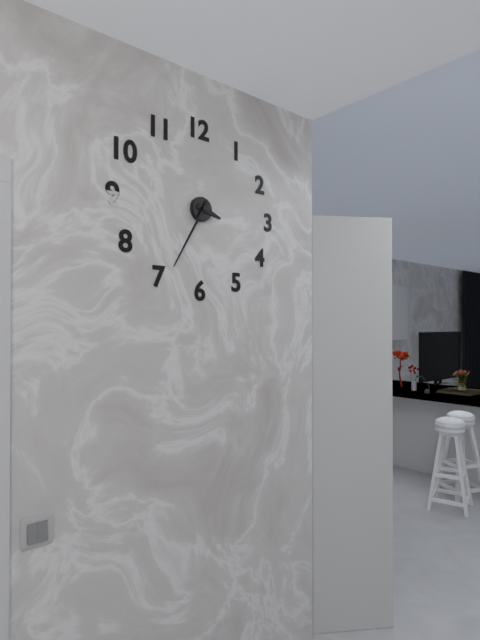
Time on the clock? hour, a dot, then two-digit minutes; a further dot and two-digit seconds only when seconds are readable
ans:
3.35
